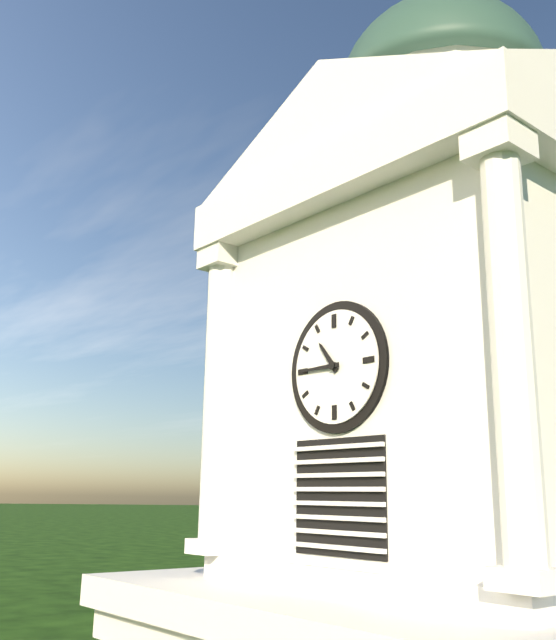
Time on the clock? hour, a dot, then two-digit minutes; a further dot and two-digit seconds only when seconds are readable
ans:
10.45
